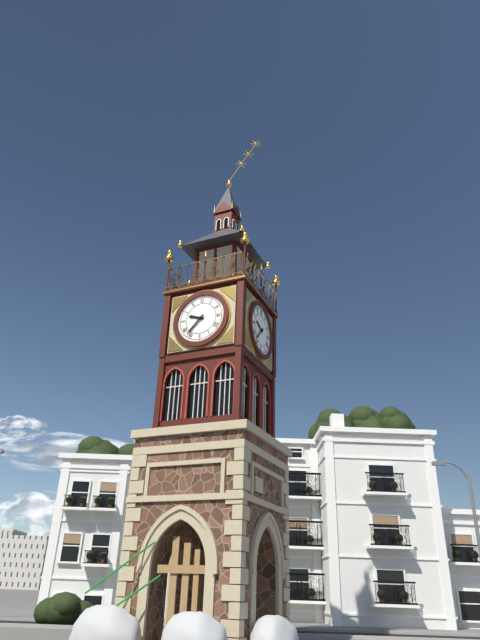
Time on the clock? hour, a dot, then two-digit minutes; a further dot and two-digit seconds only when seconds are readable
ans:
9.37
